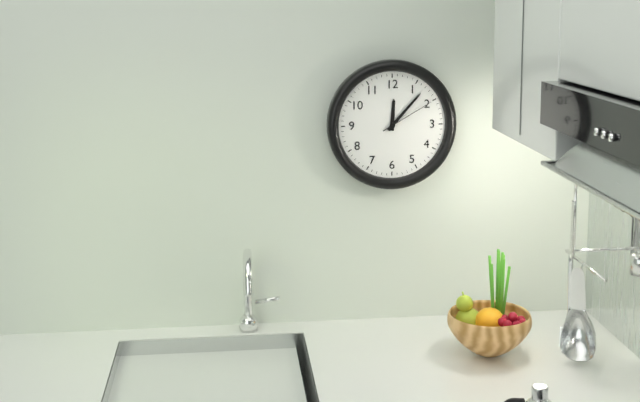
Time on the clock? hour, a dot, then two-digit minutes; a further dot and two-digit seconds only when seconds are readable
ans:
12.07.10
